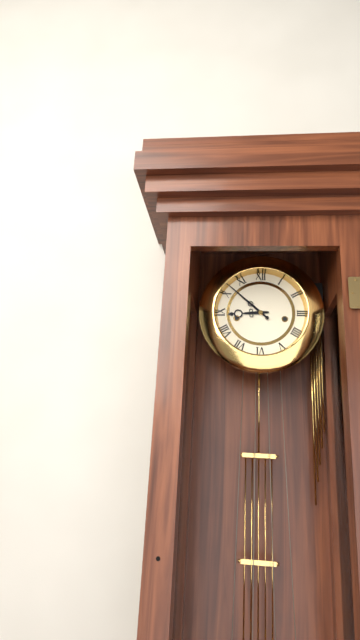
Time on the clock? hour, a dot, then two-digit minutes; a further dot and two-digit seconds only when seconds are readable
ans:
8.52
